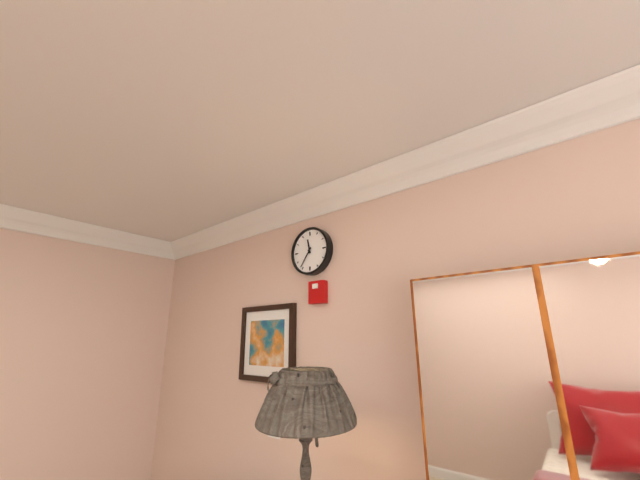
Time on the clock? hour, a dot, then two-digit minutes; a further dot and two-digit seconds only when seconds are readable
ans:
11.36
